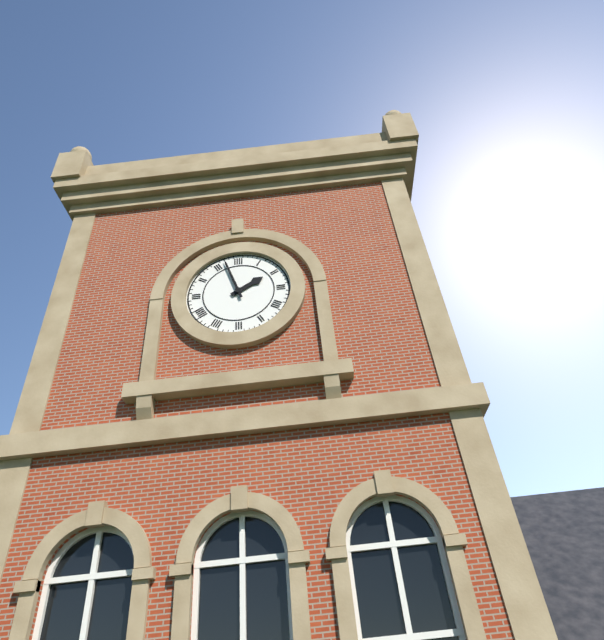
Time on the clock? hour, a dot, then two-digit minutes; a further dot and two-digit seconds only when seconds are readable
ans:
1.57
